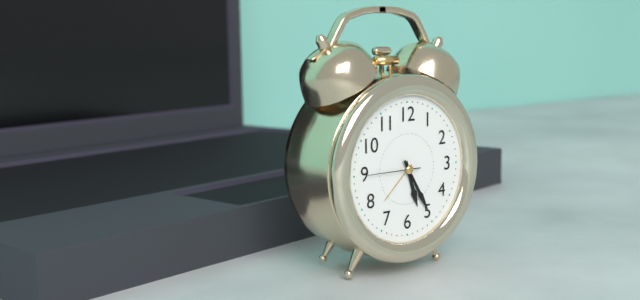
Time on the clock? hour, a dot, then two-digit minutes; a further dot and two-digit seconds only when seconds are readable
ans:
5.25.45
